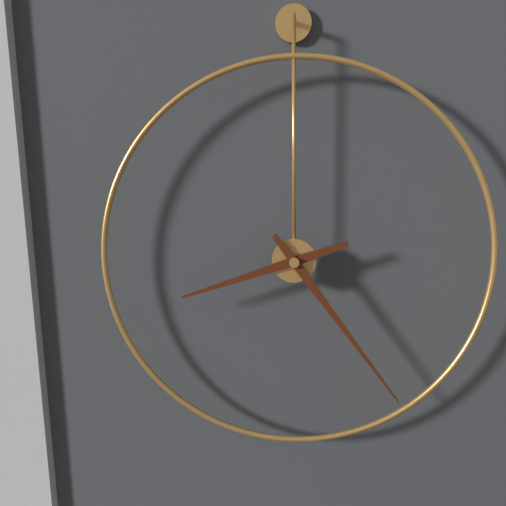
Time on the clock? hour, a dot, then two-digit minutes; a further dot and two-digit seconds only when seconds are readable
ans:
8.24
